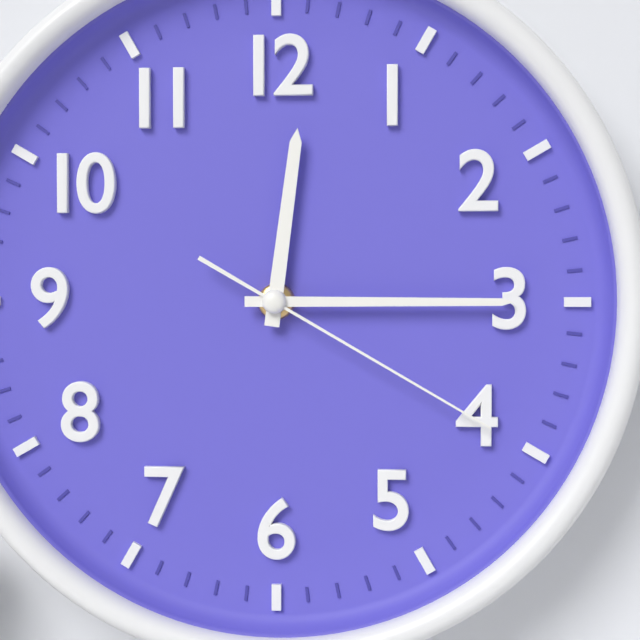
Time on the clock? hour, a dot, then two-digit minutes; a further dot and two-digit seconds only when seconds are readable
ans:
12.15.20
